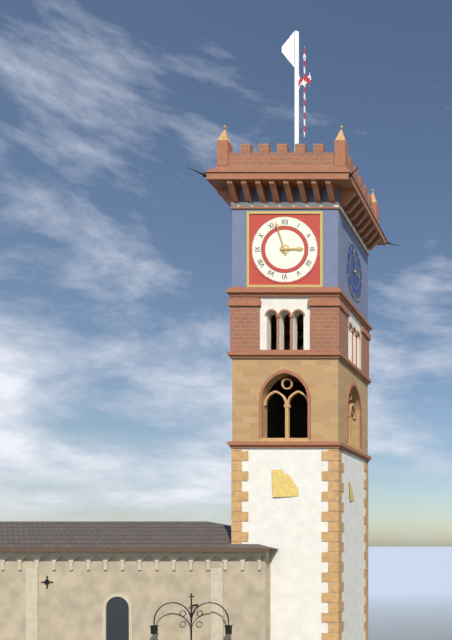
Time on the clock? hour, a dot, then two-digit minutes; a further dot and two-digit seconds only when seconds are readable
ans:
2.57
